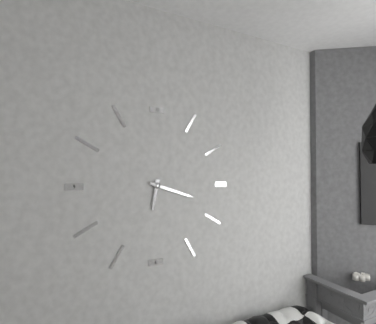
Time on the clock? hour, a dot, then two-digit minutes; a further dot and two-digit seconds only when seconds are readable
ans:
6.18
